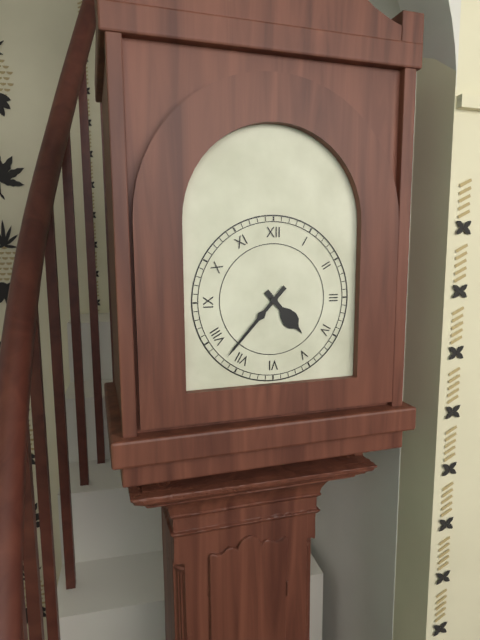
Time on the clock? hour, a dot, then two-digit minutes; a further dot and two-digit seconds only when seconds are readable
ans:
4.37
